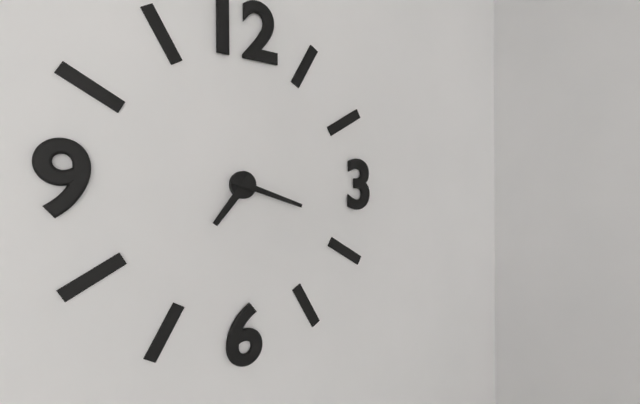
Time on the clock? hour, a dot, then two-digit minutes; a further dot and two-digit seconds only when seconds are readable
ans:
7.18
